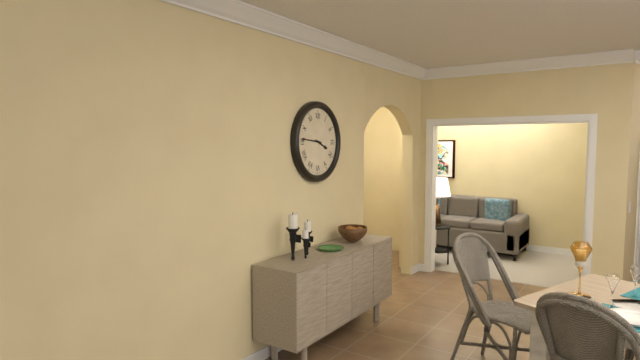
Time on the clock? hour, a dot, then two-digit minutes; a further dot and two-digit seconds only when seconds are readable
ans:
3.46
